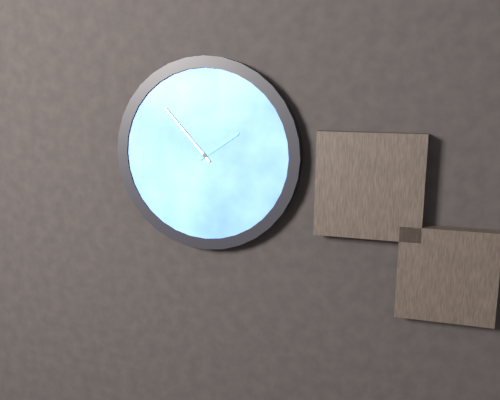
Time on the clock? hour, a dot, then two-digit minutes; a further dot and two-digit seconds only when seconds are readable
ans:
1.53
